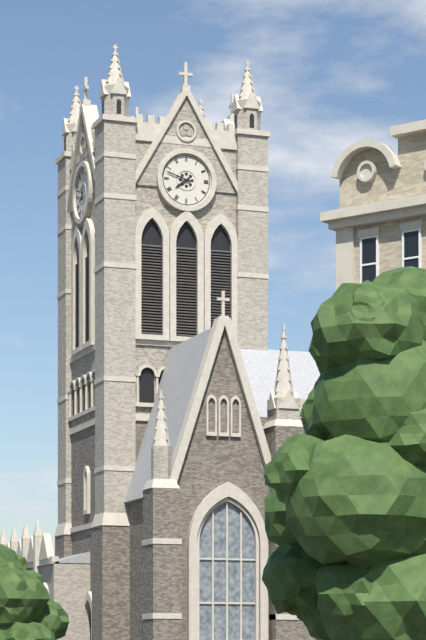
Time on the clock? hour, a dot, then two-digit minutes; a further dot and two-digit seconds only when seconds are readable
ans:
7.48
